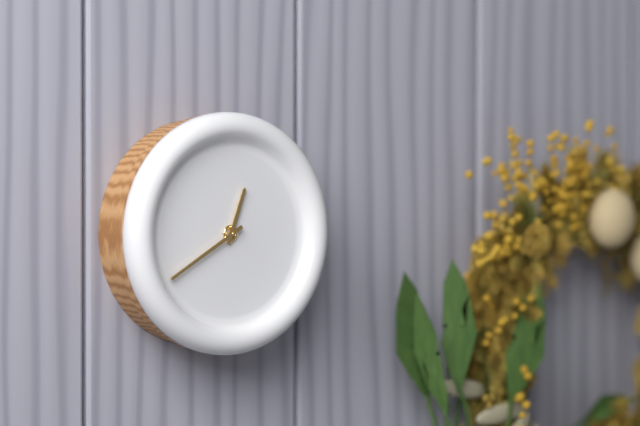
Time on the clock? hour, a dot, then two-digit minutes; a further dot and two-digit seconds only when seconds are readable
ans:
12.40
